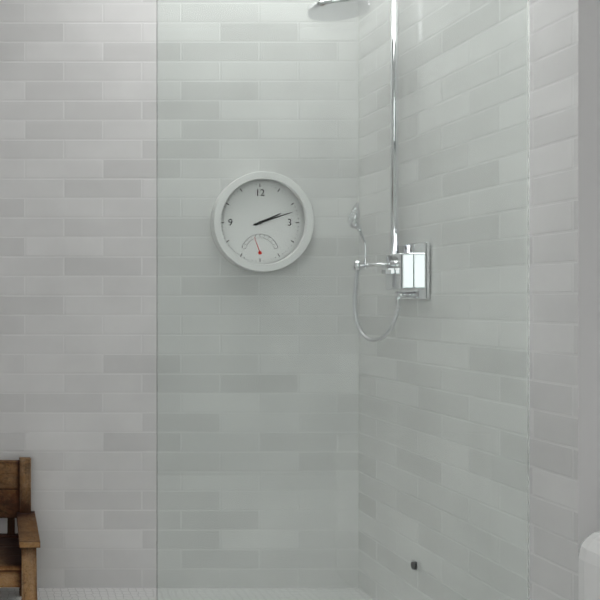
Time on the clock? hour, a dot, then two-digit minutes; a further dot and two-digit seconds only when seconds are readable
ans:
2.12
